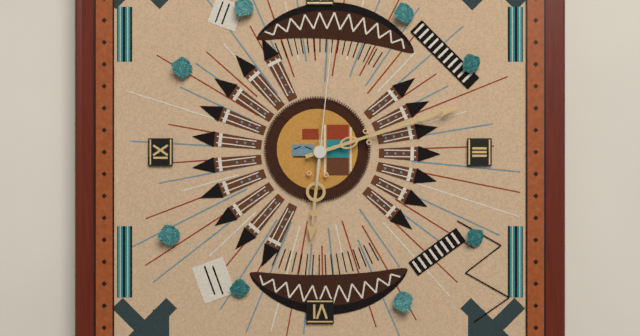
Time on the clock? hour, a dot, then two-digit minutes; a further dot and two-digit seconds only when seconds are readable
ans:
6.12.01
